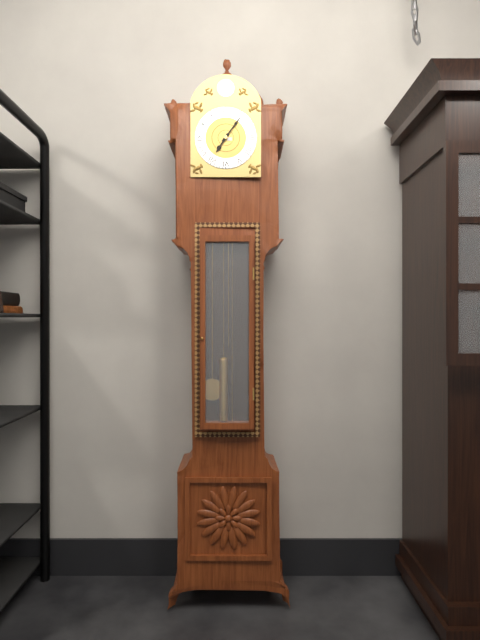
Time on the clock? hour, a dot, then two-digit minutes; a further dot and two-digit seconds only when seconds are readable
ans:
7.06
